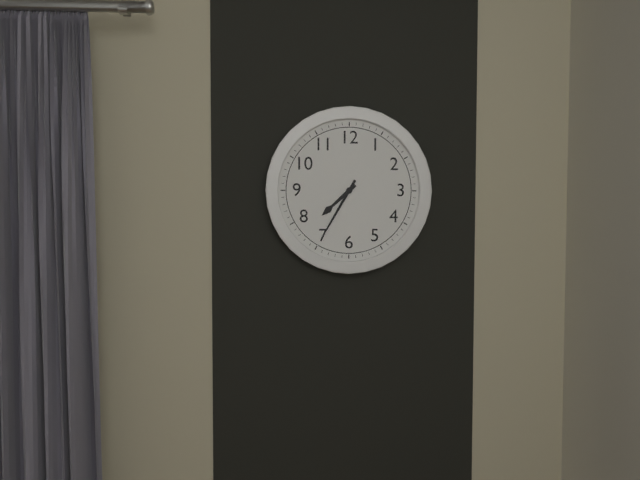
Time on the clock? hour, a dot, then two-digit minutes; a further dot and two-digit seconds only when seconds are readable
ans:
7.35
